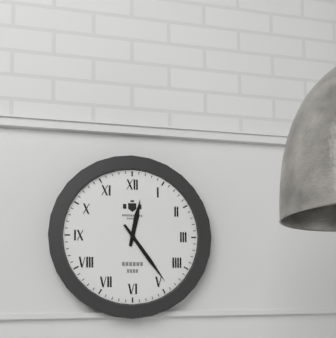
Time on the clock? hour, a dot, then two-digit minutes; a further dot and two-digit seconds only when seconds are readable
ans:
12.24
